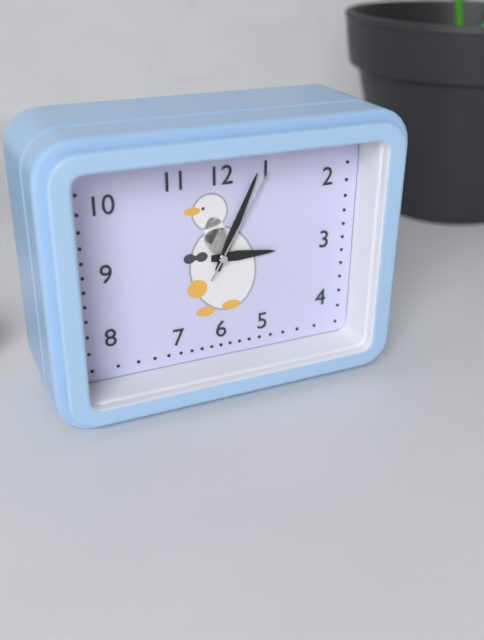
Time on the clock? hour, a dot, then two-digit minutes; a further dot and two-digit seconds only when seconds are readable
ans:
3.04.05
